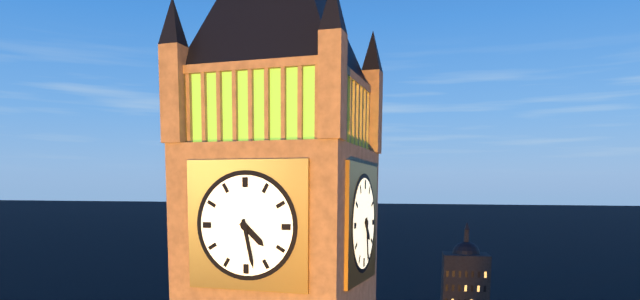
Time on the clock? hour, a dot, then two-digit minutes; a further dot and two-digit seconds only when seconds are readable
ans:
4.28
